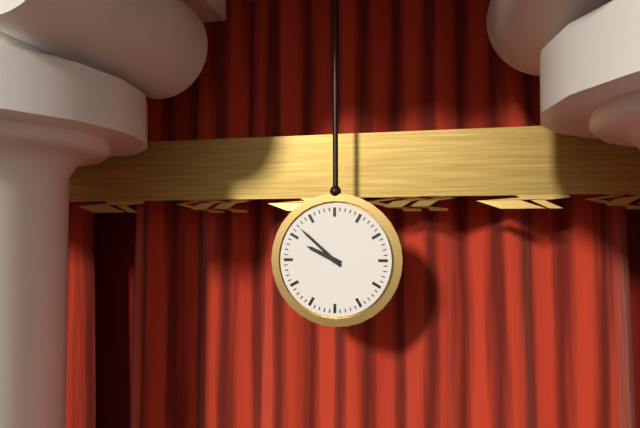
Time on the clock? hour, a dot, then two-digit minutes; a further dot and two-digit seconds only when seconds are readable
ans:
9.52
